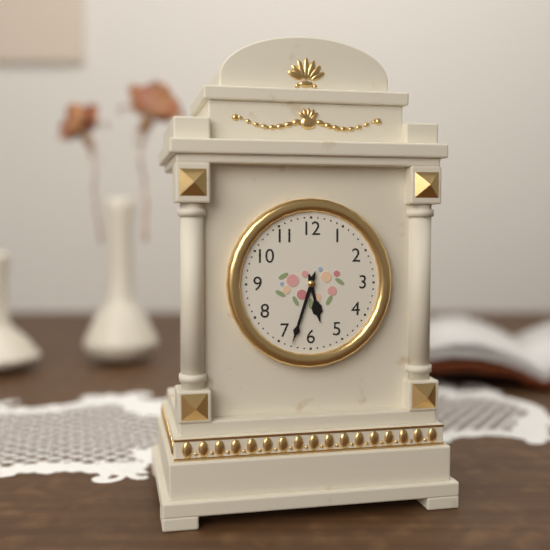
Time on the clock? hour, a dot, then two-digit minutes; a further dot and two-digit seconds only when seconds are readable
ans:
5.33
